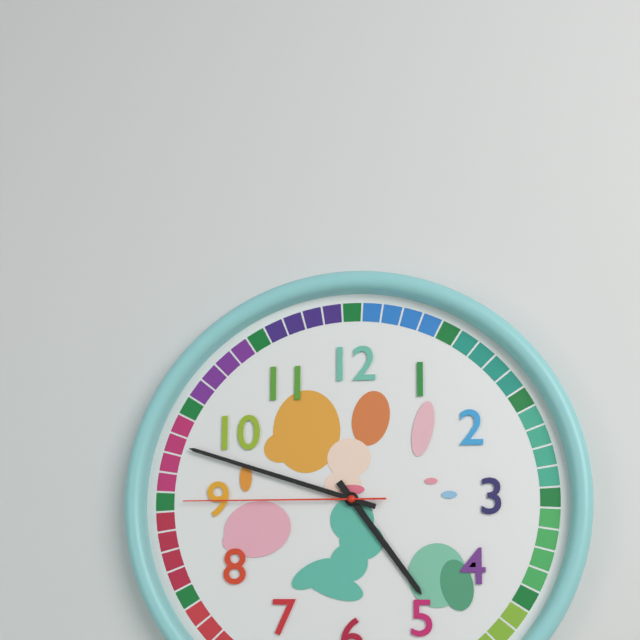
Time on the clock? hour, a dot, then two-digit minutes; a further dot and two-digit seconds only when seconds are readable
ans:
4.48.45
